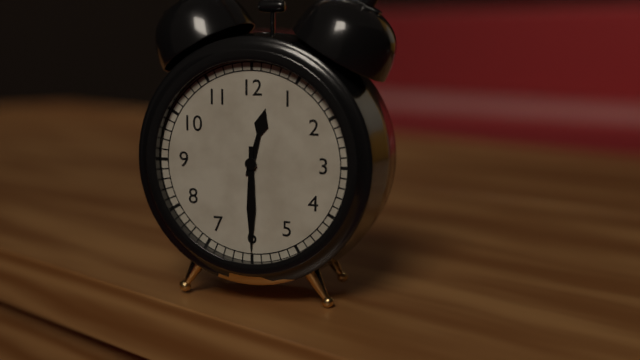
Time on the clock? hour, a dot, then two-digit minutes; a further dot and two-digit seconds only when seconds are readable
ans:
12.30
